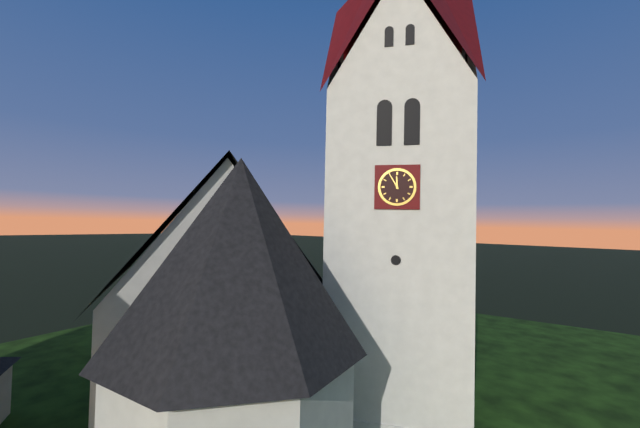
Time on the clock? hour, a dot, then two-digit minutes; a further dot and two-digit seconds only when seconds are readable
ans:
11.55
